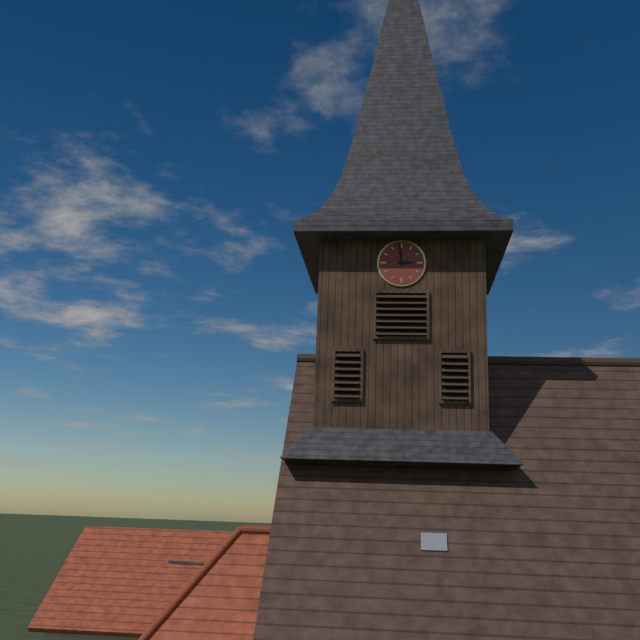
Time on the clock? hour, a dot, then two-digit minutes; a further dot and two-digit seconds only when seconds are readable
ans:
2.59
